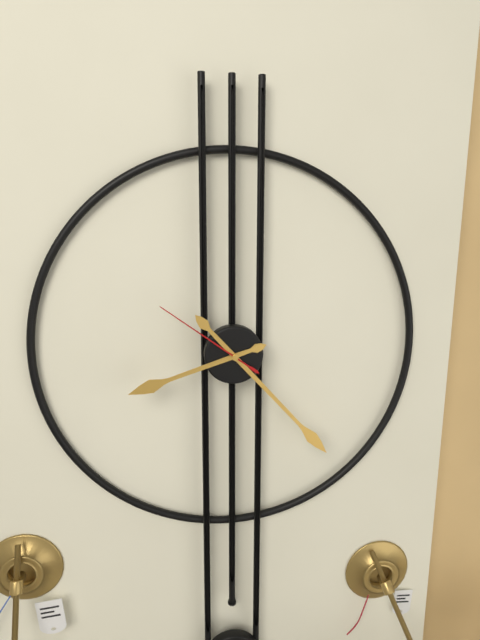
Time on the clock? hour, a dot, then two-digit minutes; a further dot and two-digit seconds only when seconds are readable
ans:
8.23.51
